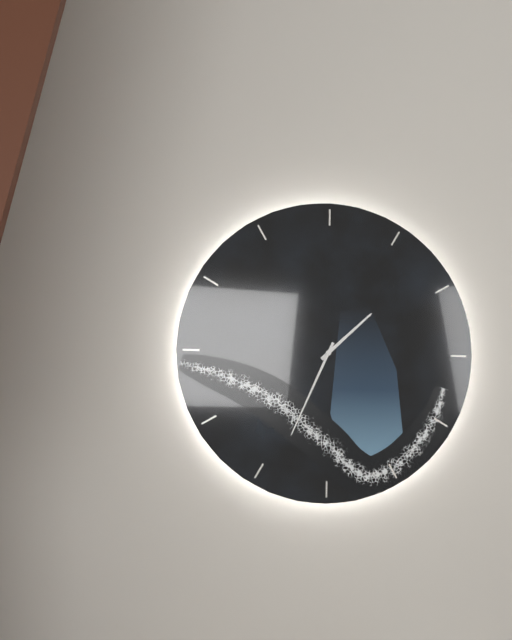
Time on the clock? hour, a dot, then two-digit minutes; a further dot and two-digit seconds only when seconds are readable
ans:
1.34
